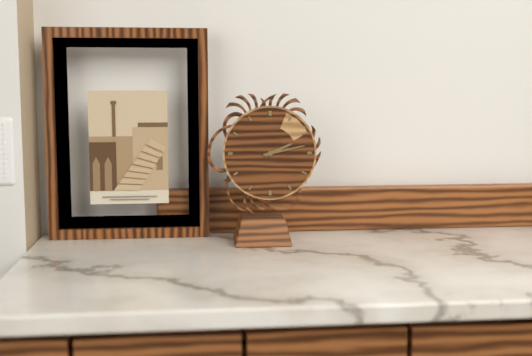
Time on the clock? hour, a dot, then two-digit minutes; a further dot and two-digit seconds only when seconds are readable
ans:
2.13
